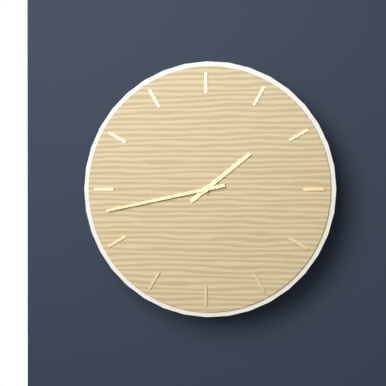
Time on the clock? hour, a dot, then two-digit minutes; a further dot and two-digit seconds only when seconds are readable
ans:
1.43
